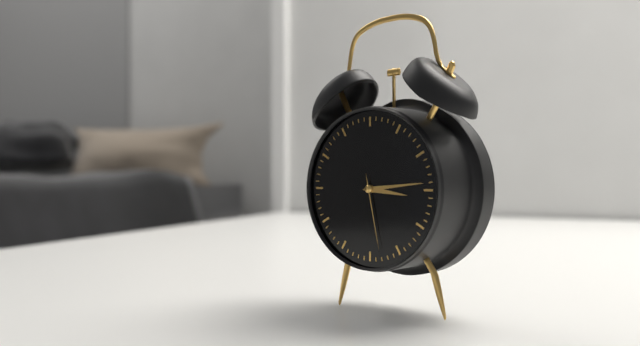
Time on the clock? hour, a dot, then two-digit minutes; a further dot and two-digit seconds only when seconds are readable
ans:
3.14.28
